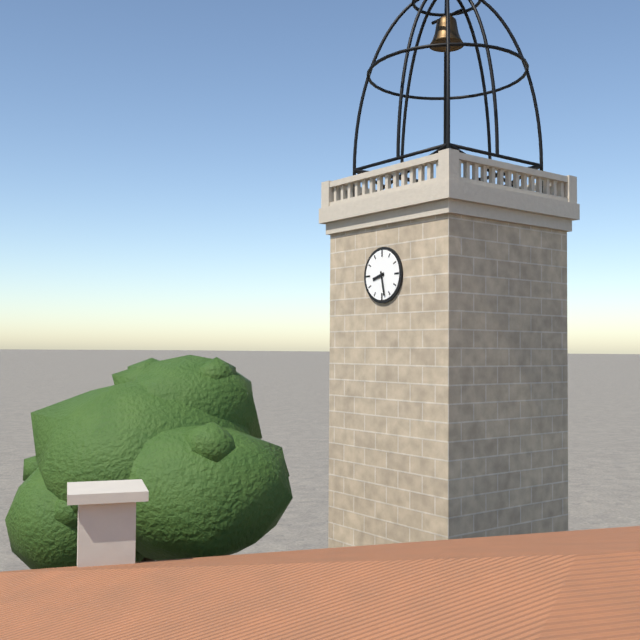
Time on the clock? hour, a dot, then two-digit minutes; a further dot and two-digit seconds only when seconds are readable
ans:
8.28
